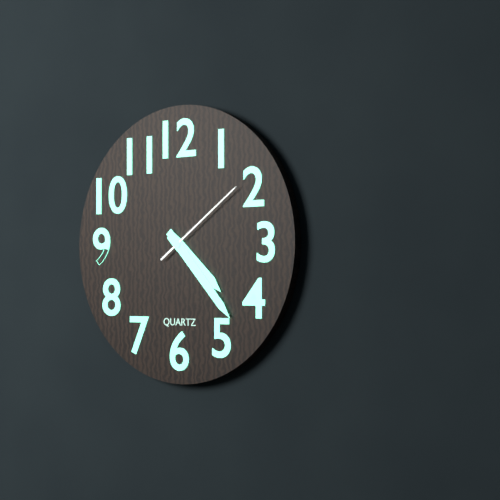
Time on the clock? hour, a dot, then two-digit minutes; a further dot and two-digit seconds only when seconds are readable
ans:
4.23.09
